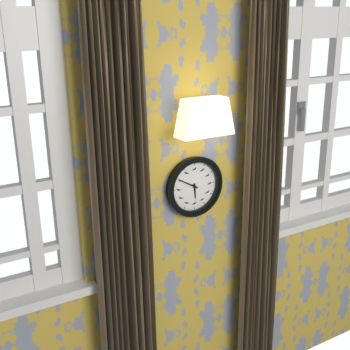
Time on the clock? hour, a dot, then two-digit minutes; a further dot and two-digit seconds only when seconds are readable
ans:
5.50
